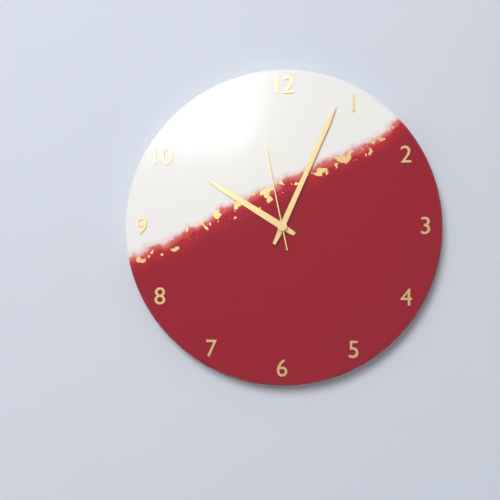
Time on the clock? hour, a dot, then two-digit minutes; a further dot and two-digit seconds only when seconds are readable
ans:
10.04.58
